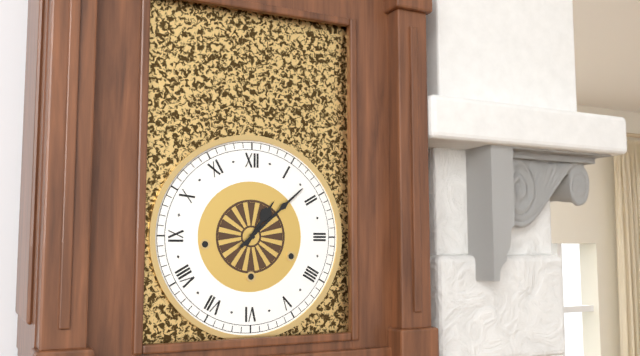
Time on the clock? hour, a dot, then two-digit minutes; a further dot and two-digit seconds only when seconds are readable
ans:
1.08
